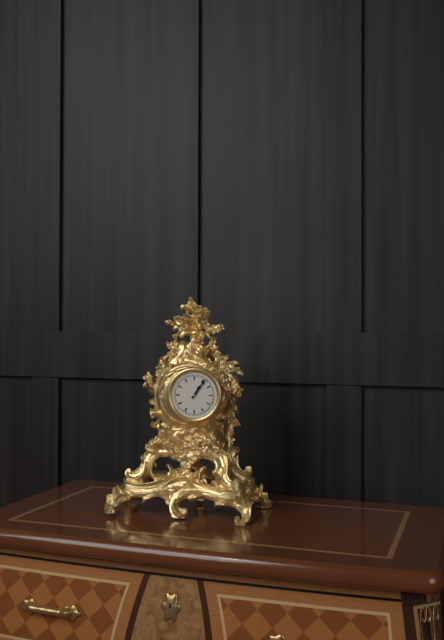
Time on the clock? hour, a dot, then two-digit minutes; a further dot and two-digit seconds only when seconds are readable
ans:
1.06
